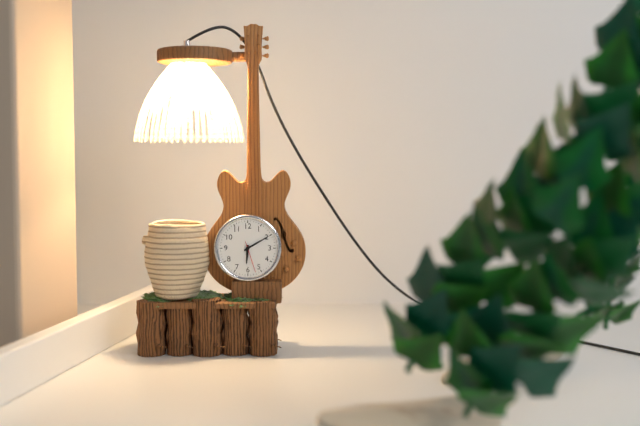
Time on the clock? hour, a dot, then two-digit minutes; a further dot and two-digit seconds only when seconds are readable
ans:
6.10
